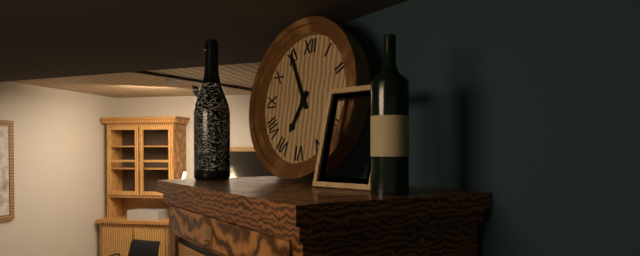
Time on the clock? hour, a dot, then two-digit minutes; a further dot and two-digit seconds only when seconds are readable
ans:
6.55
